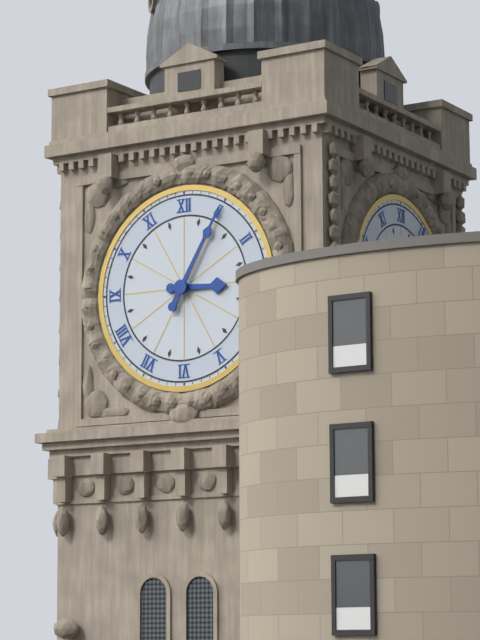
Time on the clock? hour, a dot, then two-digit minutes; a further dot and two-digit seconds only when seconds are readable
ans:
3.05
